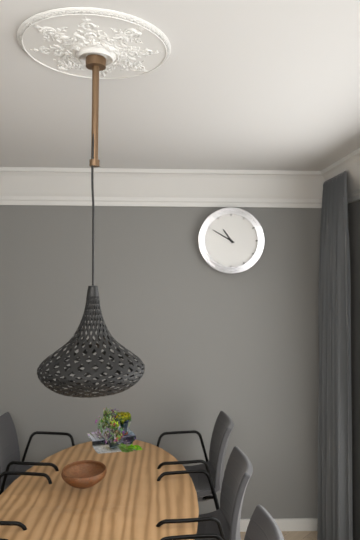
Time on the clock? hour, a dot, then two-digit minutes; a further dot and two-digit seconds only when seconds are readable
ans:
10.50
